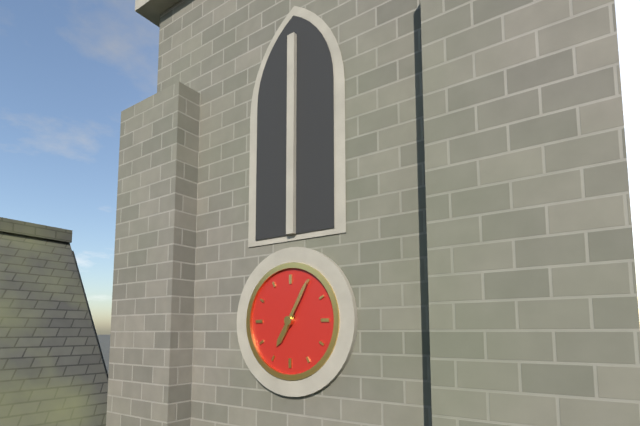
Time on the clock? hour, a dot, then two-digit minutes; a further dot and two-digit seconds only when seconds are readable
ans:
7.05
